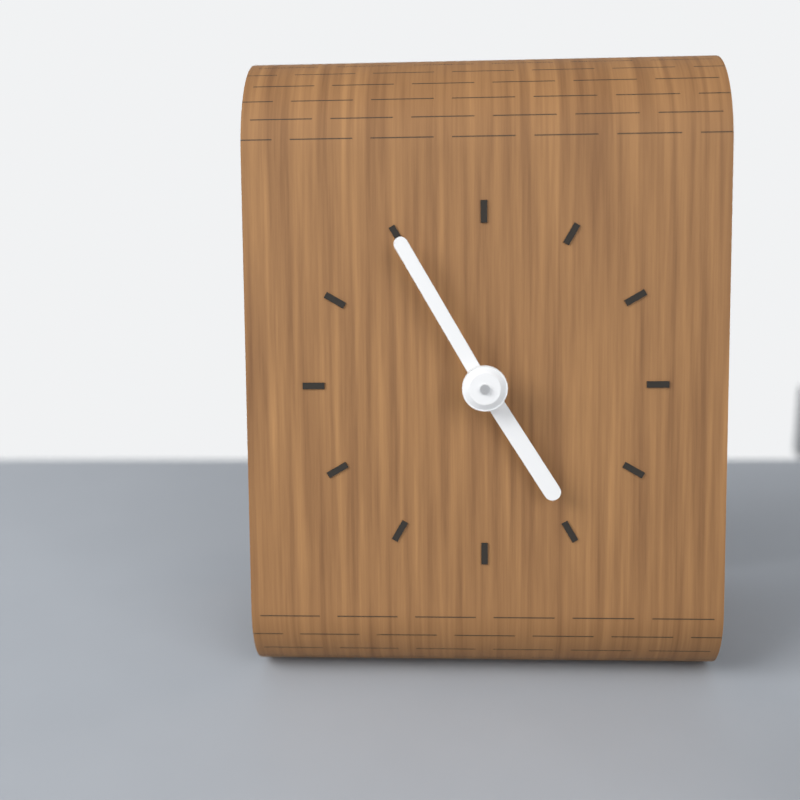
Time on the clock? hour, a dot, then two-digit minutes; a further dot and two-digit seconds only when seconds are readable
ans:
4.55
